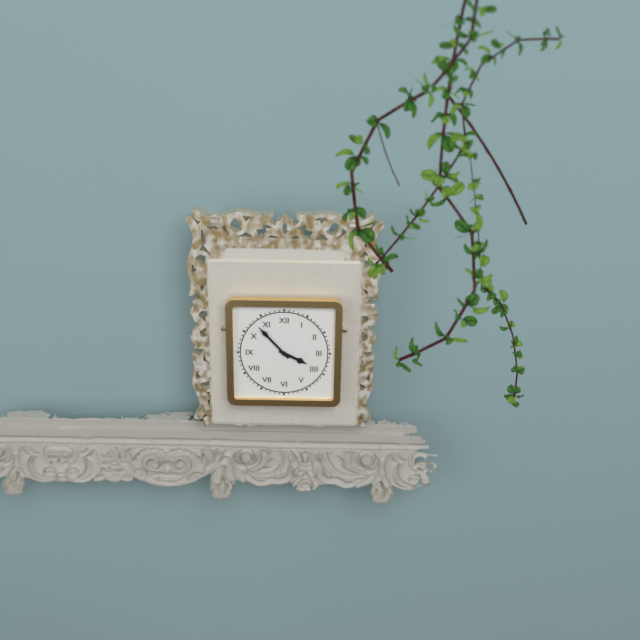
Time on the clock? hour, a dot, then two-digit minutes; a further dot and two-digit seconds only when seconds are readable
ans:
3.53
